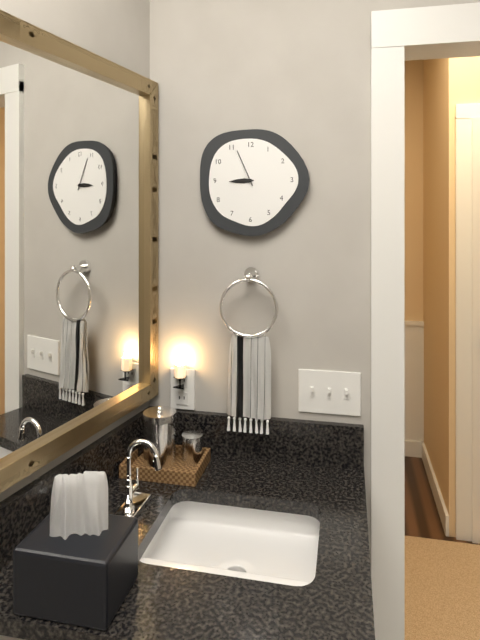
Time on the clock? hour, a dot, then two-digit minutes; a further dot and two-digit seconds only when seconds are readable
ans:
8.56
